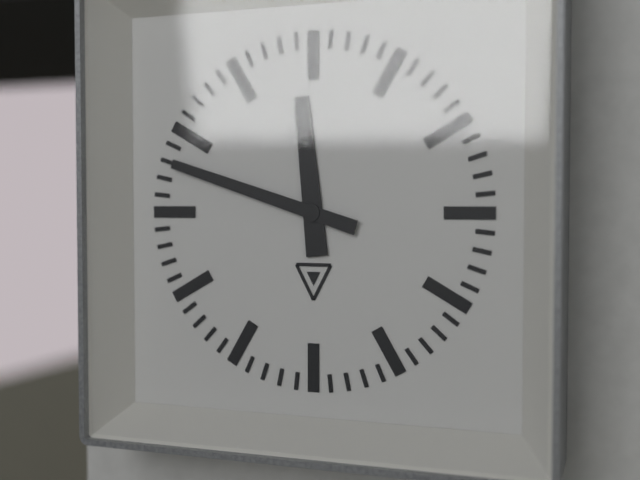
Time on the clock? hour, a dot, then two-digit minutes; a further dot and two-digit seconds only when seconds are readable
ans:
11.48
